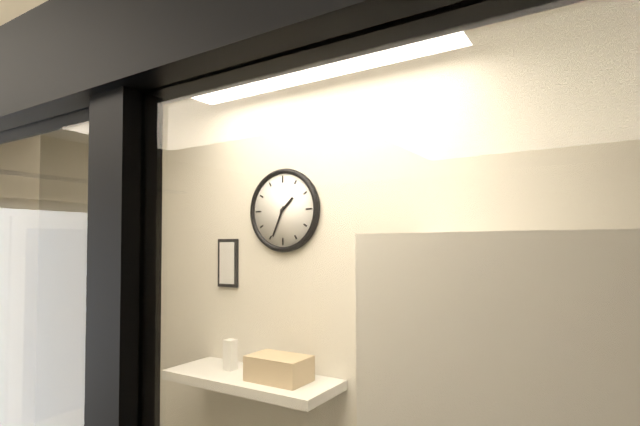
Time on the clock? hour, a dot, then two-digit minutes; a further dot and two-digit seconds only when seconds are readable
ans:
1.34
